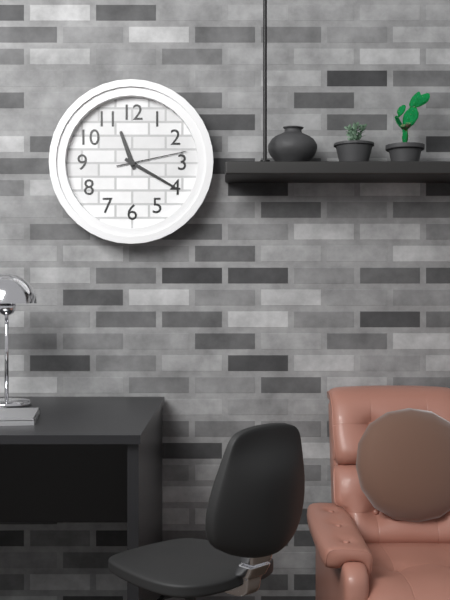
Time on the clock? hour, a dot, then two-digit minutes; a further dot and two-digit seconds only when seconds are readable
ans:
11.20.13
